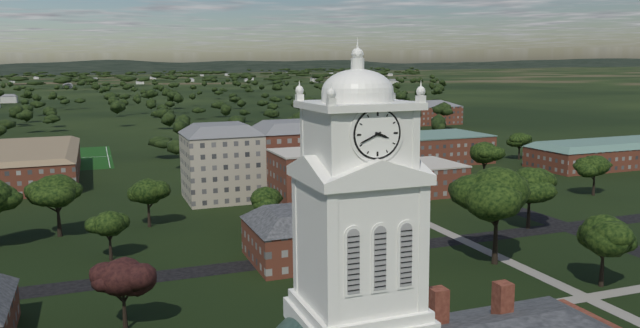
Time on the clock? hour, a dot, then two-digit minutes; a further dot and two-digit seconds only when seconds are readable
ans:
3.41
